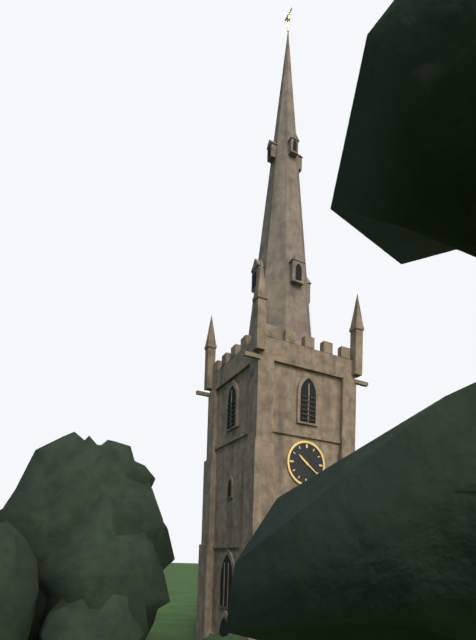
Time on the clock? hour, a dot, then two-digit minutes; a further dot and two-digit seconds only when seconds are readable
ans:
10.21
